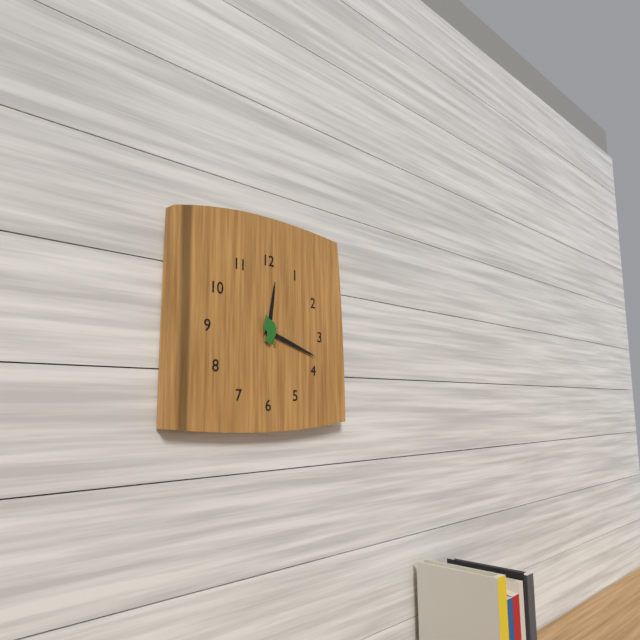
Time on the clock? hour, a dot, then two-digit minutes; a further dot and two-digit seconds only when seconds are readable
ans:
12.18
